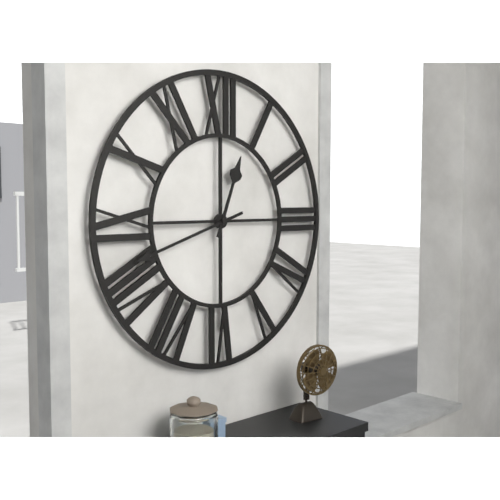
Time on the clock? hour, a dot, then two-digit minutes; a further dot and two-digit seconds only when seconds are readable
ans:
12.42
